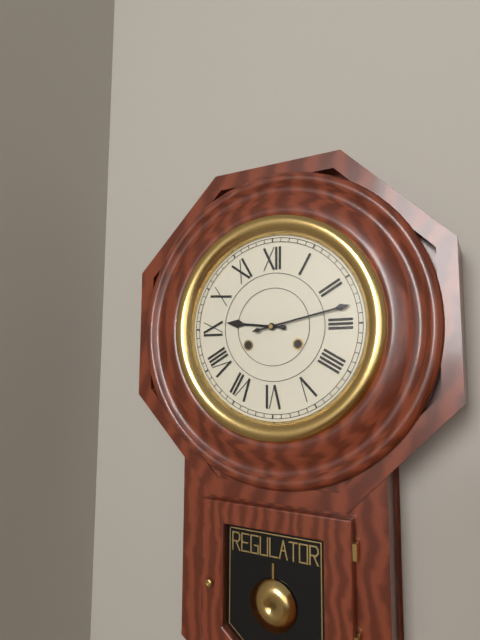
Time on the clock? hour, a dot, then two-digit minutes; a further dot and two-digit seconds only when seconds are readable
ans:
9.13
